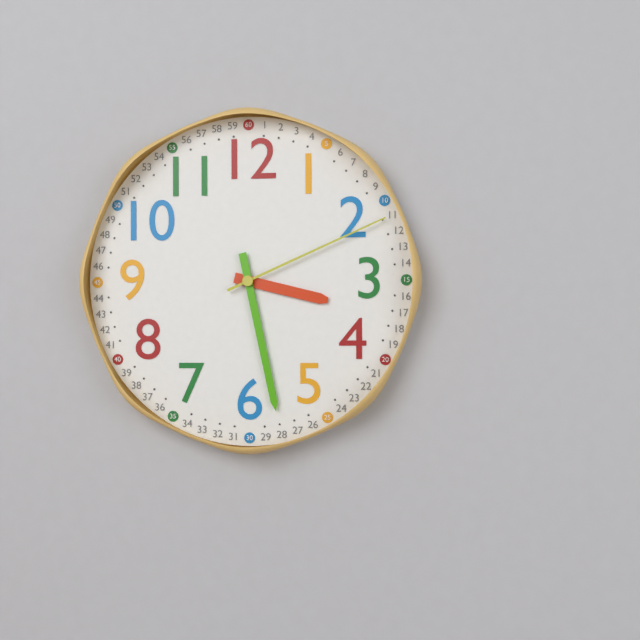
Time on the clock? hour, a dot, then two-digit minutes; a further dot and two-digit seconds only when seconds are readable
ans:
3.28.11
